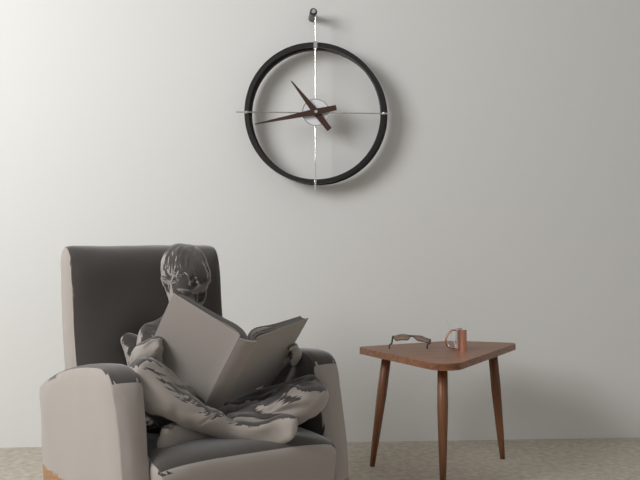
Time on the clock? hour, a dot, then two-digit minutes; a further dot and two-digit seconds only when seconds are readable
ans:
10.43
